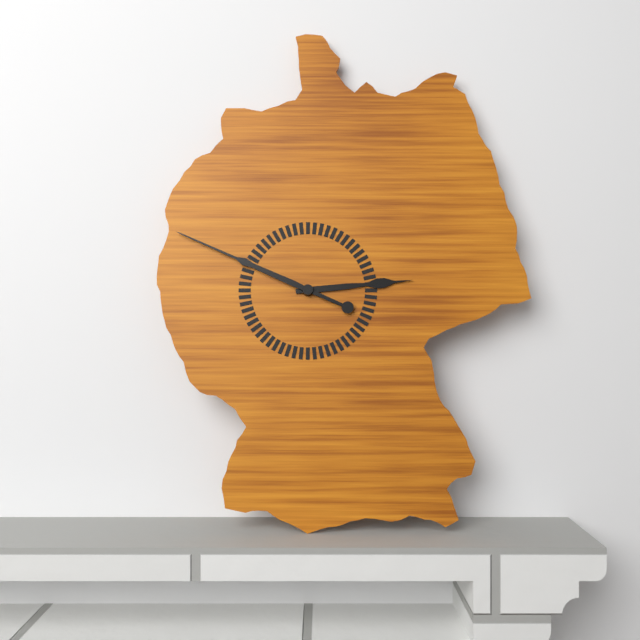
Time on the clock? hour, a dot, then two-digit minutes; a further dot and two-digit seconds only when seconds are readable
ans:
2.49
